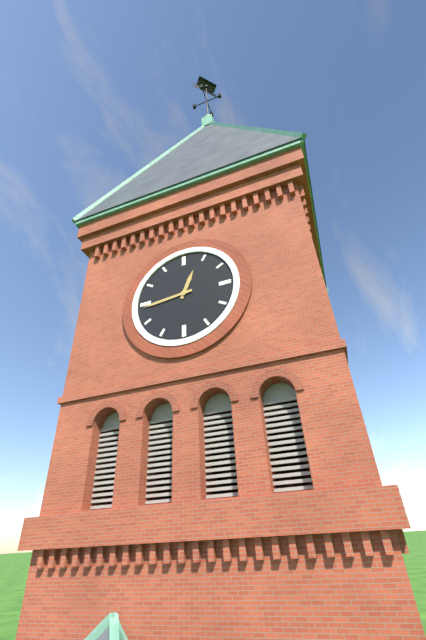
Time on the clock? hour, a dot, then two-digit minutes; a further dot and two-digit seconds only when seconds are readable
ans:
12.44
